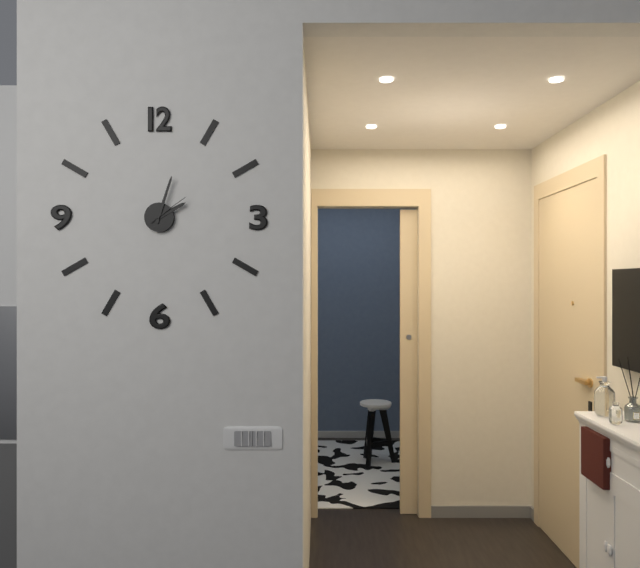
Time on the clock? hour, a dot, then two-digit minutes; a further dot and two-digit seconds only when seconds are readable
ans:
2.03
